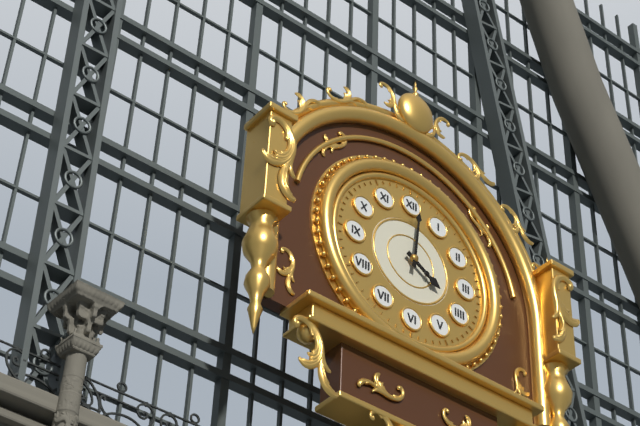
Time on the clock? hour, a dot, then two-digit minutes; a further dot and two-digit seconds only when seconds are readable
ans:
4.01
